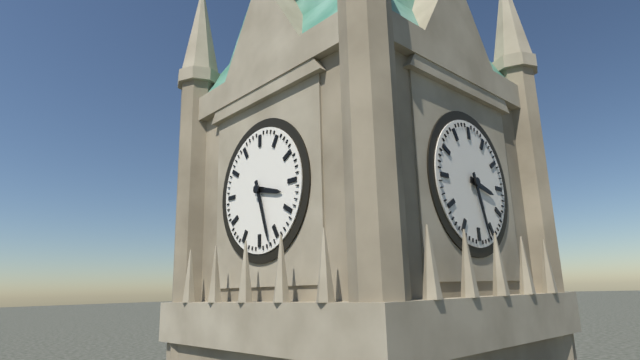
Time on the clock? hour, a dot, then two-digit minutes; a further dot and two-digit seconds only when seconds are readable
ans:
3.27
